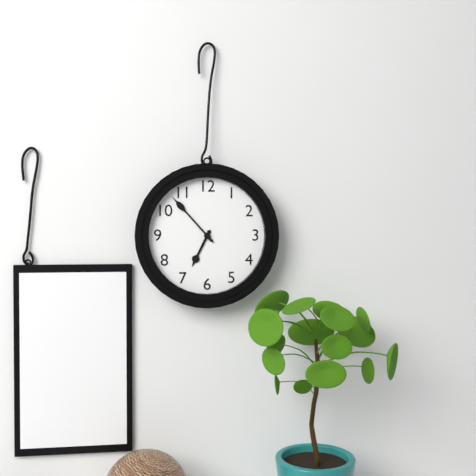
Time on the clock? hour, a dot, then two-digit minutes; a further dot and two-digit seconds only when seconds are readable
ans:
6.53
